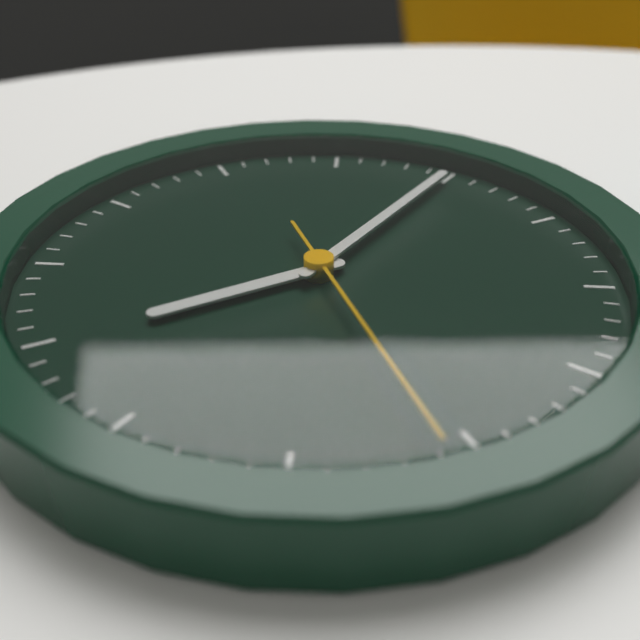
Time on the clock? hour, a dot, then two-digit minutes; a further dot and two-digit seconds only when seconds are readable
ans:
5.55.16
